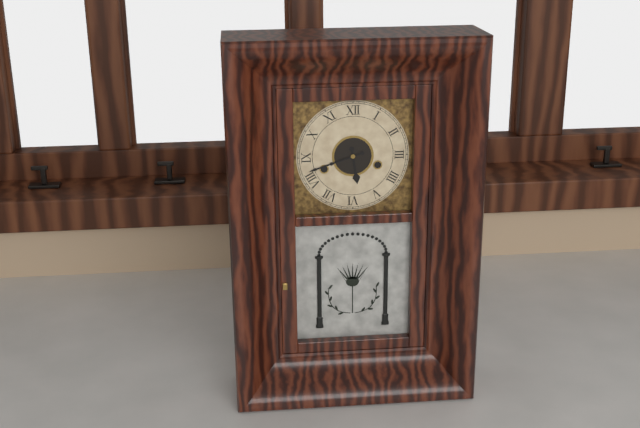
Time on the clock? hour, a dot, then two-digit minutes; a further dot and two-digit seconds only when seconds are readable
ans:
5.42
